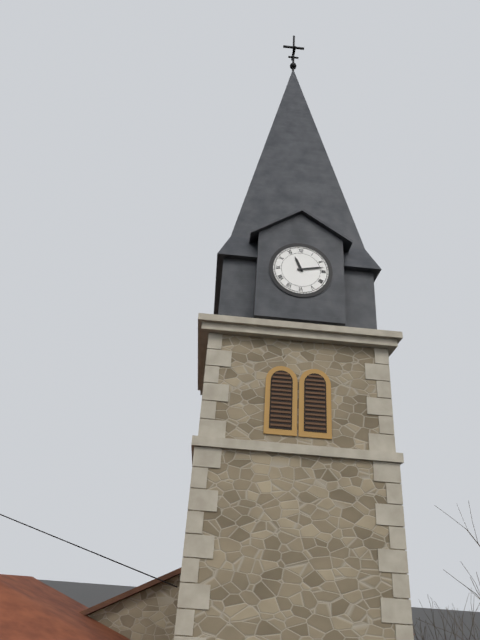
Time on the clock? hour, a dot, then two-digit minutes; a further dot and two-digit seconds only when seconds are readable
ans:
11.13
